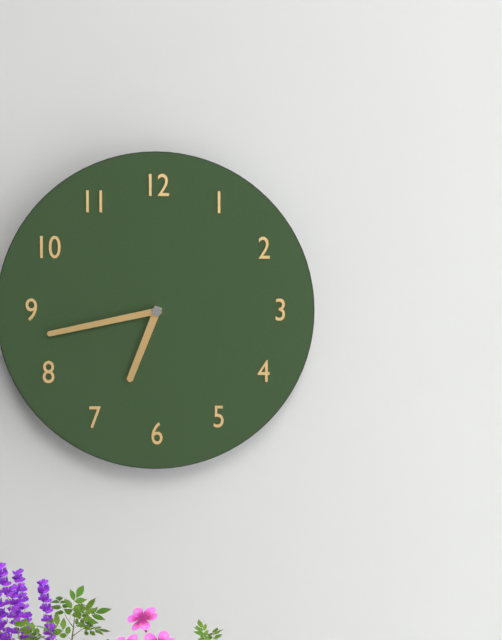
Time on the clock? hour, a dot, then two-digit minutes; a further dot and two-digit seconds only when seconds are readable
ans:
6.43
